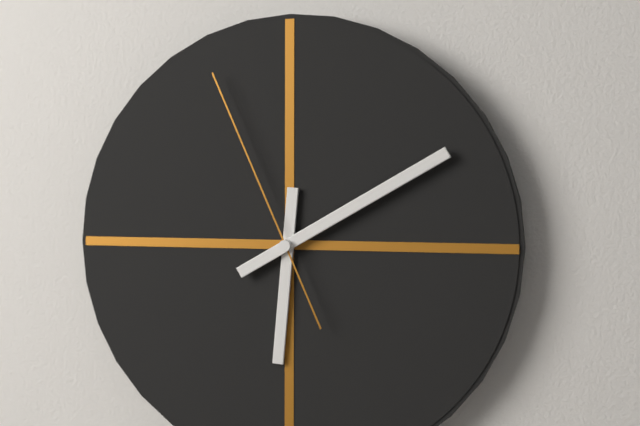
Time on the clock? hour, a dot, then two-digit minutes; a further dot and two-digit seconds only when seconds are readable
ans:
6.10.56
